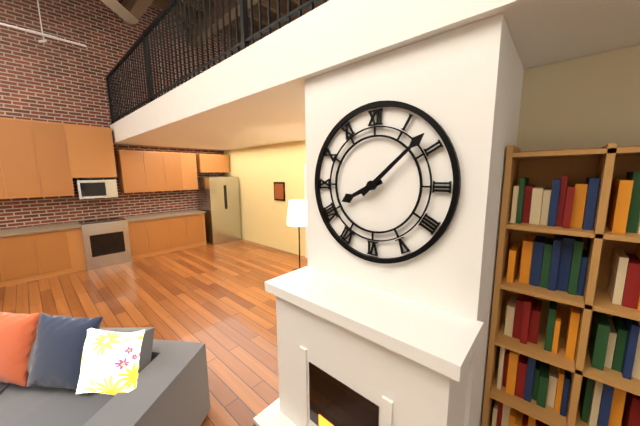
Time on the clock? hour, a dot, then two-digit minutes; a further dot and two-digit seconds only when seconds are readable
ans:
8.08
